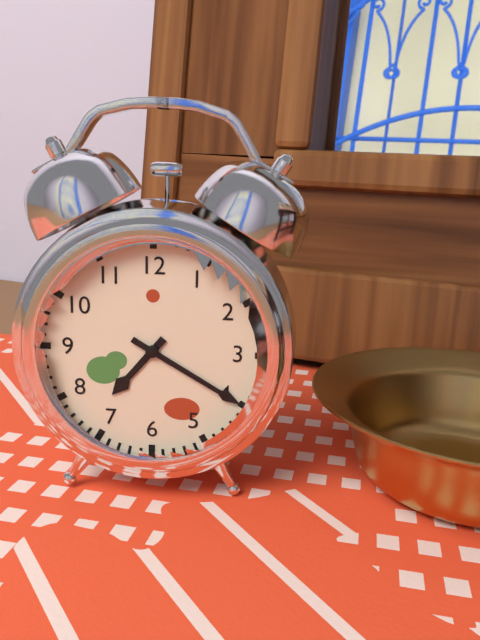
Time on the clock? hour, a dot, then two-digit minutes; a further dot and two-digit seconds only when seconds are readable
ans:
7.20
